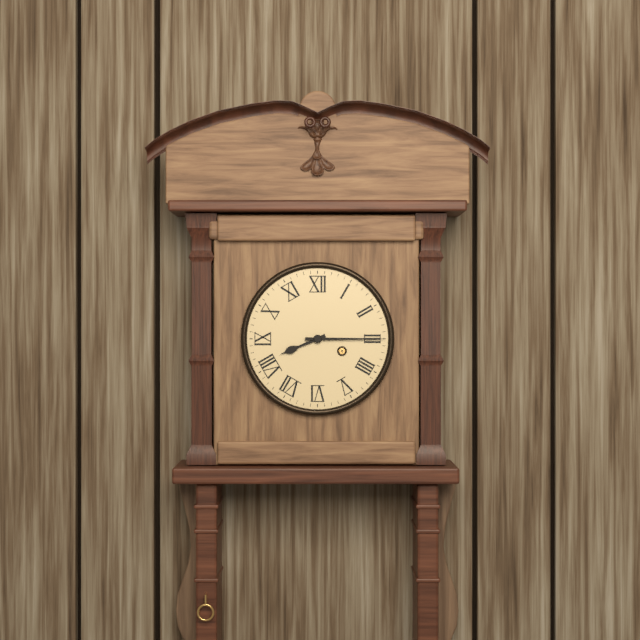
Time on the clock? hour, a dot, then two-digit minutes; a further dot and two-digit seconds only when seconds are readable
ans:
8.15
